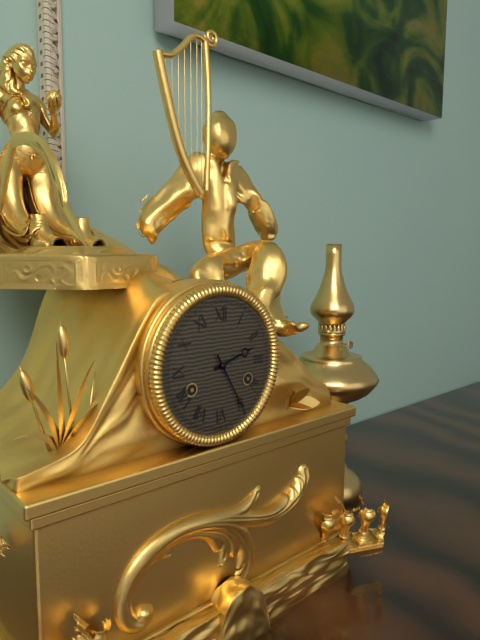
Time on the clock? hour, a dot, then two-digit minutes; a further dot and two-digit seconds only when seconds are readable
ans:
2.25
